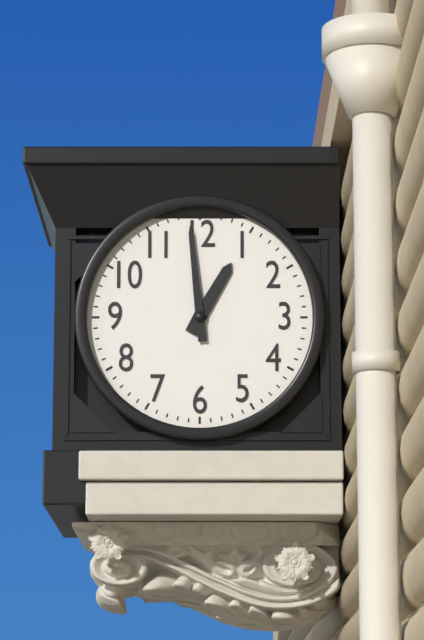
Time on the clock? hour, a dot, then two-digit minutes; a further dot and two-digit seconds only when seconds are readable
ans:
12.59
